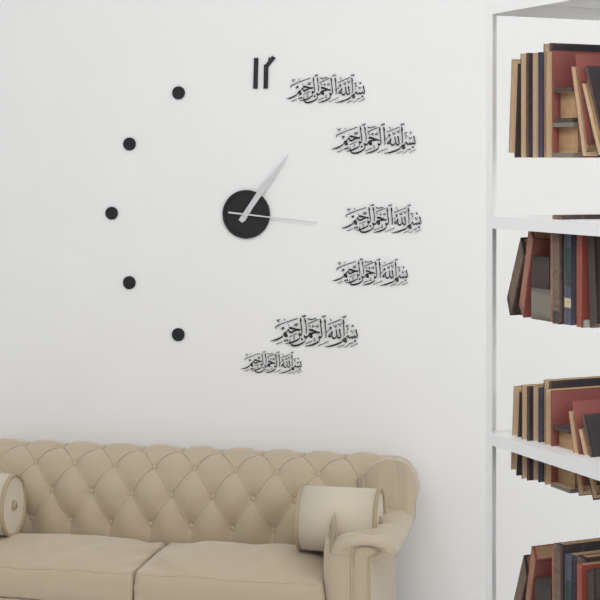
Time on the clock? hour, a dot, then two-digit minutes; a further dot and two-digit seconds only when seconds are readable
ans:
1.06.16
